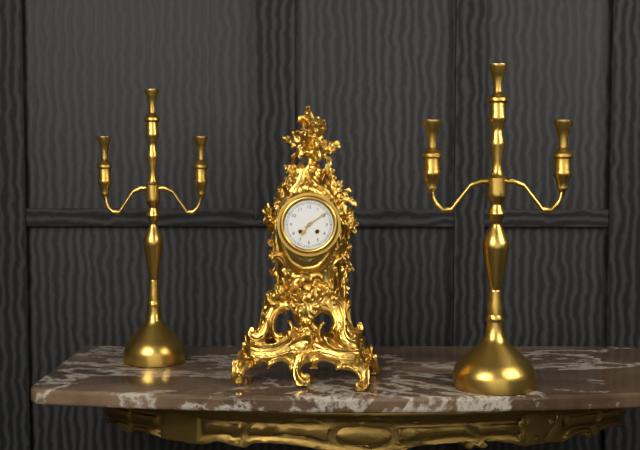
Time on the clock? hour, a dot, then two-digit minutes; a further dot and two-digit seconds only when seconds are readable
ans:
7.09
